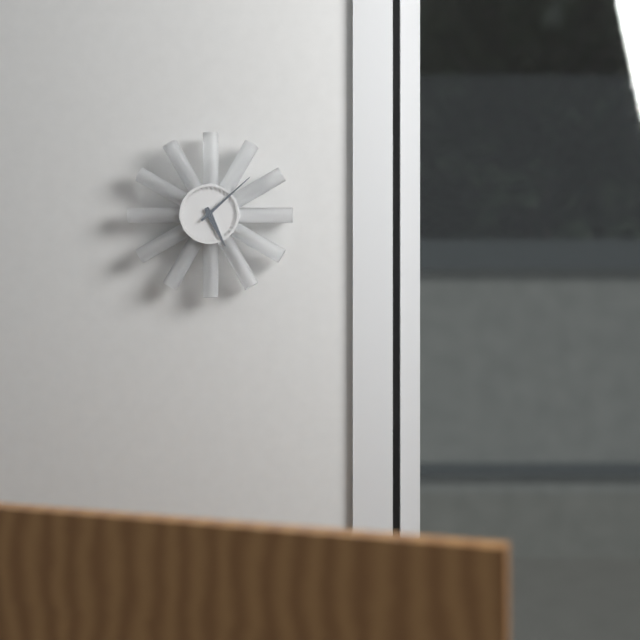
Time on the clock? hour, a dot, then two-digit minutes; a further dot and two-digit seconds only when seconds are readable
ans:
5.08
